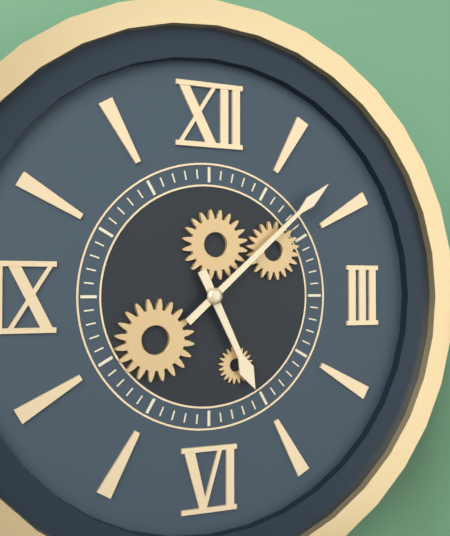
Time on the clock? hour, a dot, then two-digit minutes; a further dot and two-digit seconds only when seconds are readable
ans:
5.08
